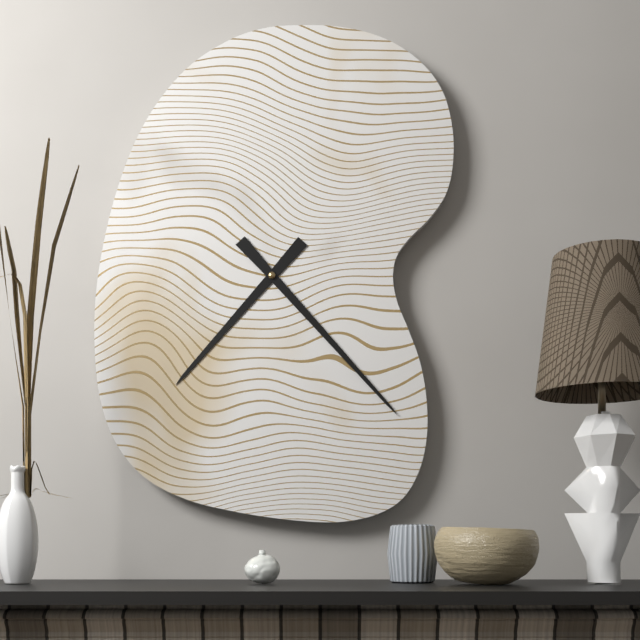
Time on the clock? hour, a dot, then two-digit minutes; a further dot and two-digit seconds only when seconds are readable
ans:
7.23
